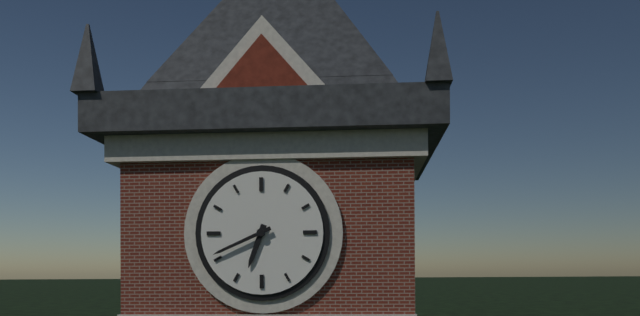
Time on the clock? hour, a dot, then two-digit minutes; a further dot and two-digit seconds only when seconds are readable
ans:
6.41
